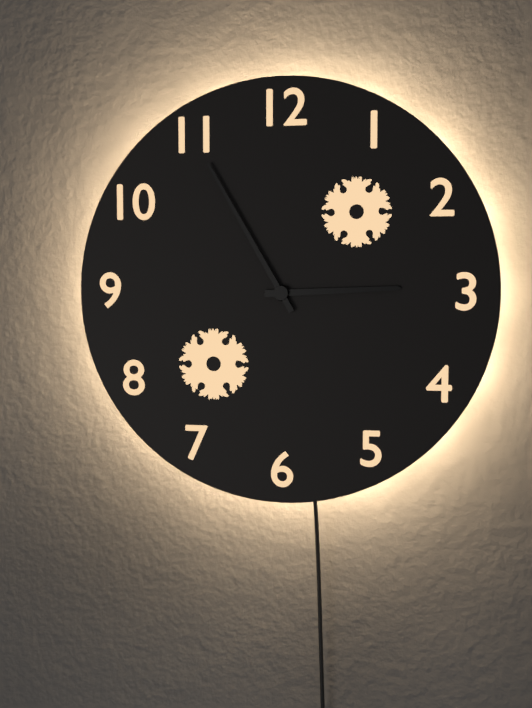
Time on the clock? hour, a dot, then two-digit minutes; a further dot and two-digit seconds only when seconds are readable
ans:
2.55
